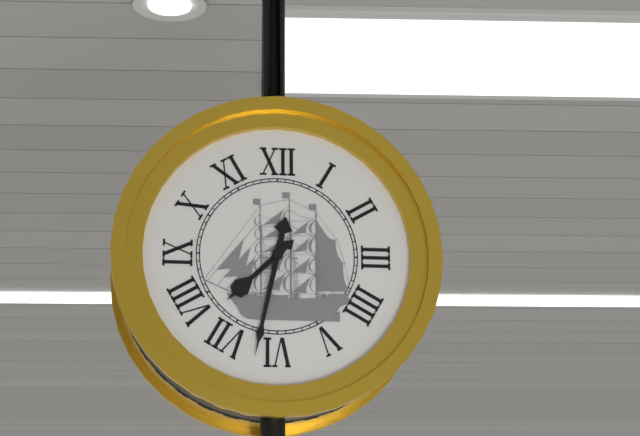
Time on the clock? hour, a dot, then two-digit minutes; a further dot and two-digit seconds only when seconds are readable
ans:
7.32
